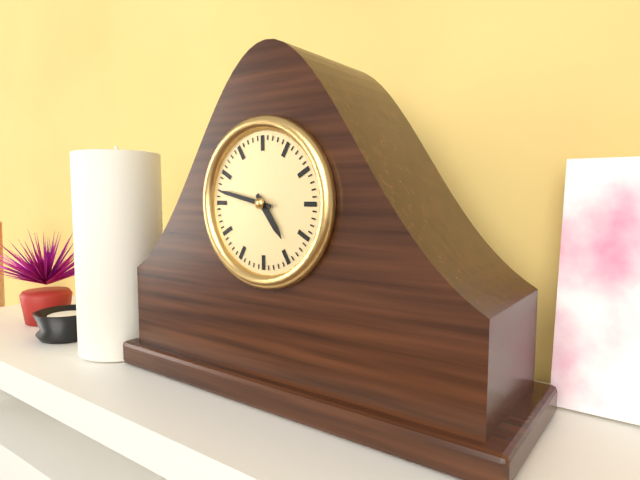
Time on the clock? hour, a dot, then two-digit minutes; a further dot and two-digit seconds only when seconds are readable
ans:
4.47
